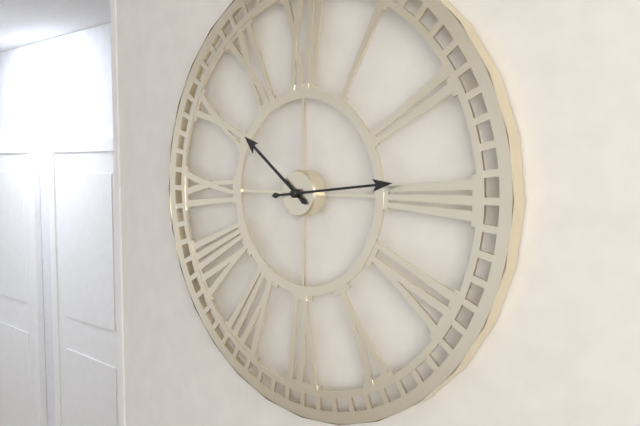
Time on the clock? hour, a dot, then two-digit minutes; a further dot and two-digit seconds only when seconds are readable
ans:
10.14
